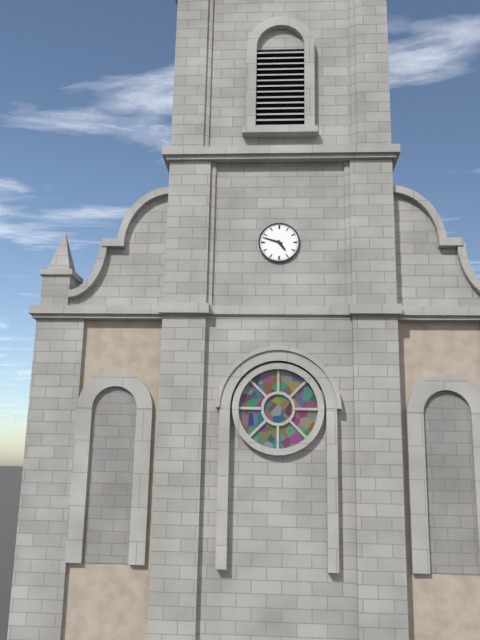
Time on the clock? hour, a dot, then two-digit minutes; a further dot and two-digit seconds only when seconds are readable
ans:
4.48
